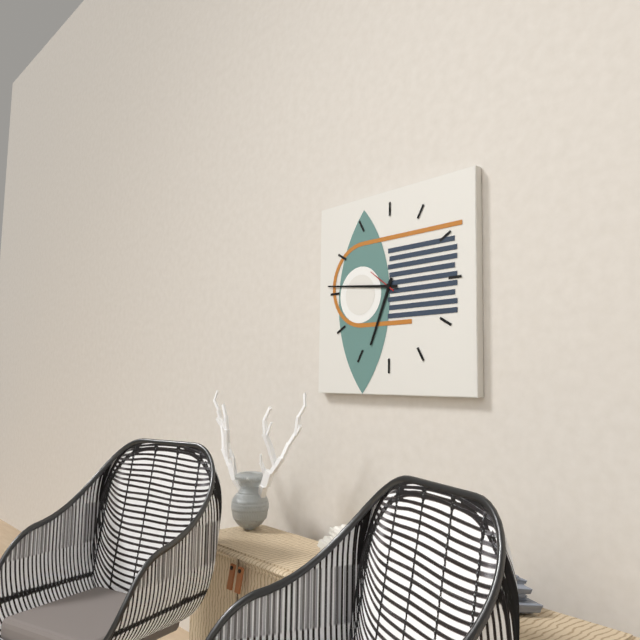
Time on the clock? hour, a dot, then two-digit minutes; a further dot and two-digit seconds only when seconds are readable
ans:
6.46
